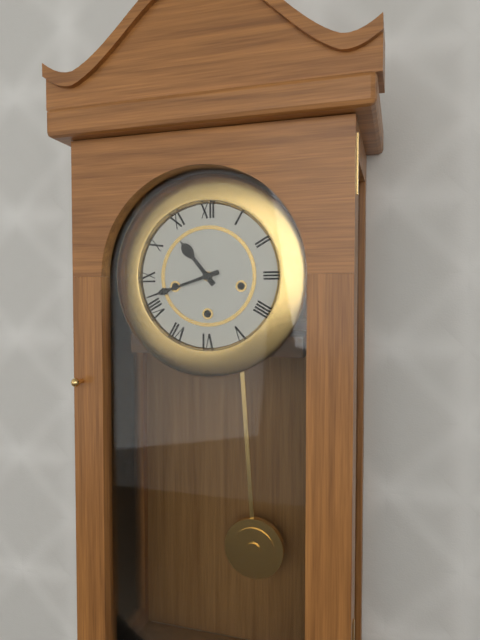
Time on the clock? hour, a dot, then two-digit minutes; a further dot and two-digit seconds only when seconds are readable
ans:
10.42
